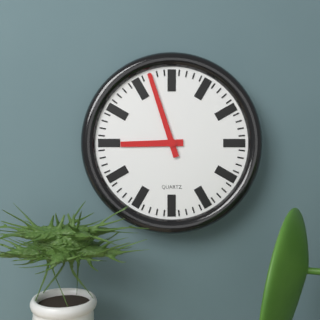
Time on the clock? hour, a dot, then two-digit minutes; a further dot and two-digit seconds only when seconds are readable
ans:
8.57
